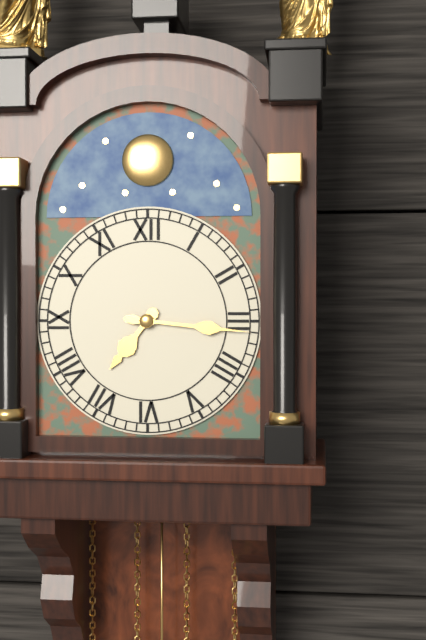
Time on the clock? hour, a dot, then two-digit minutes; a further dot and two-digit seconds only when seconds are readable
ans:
7.16
